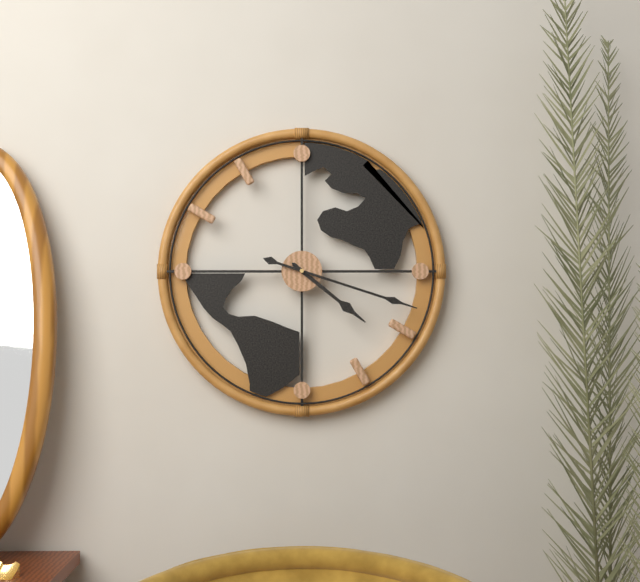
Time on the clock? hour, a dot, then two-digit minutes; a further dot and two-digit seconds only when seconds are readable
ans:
4.18
